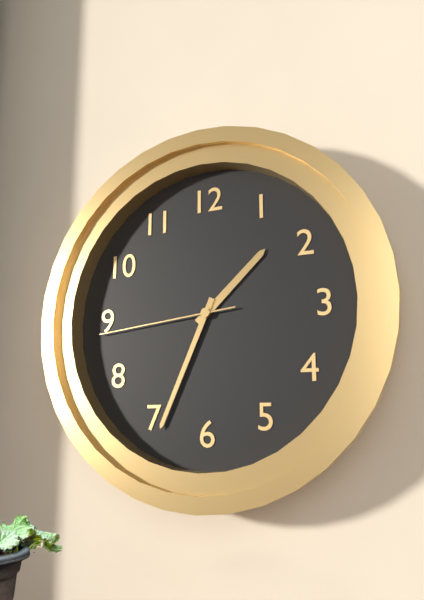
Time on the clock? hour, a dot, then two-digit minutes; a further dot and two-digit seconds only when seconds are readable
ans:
1.34.44
